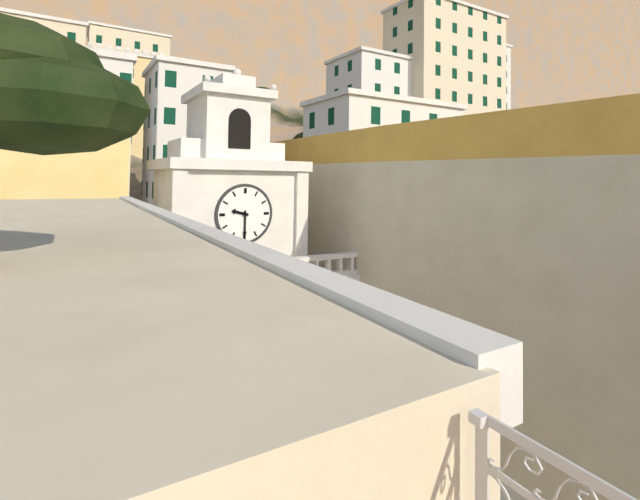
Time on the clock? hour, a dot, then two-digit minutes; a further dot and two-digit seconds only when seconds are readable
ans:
9.30
